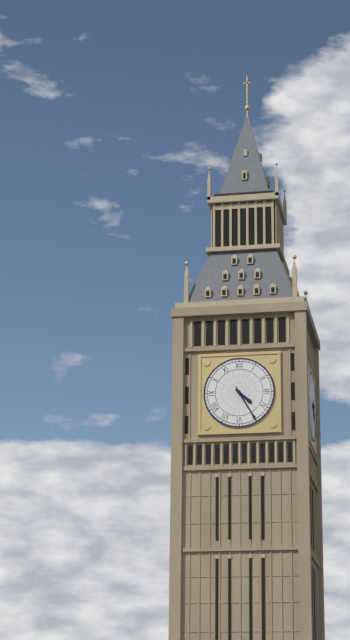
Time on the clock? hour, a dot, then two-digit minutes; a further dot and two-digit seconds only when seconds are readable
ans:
4.25
